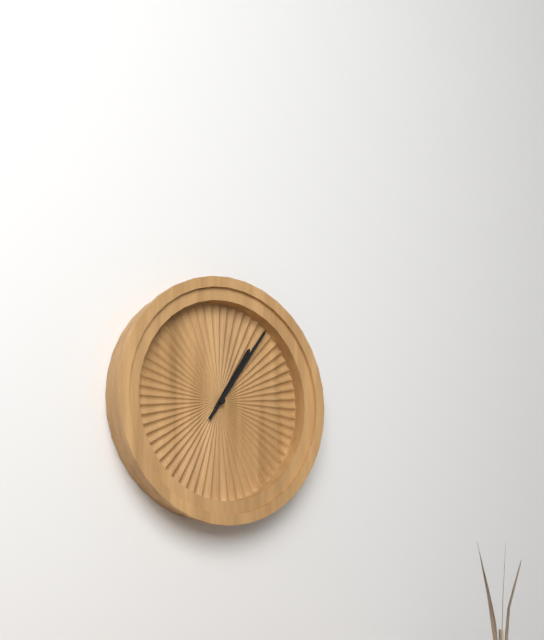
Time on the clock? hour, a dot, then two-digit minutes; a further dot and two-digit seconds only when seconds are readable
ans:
1.06
